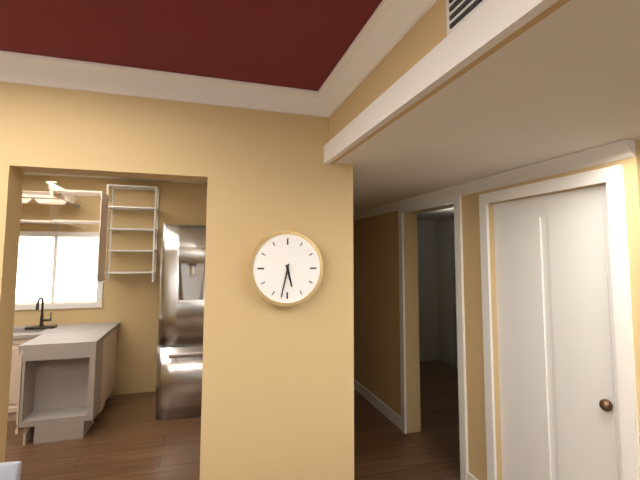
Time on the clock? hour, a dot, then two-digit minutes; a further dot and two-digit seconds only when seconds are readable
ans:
5.32
